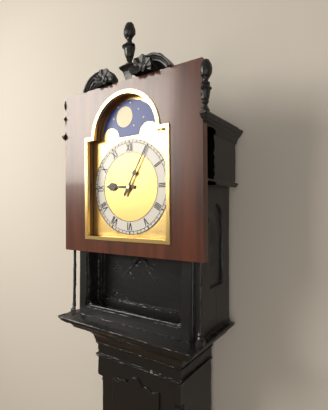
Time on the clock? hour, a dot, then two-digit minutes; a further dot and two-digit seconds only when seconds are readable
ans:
9.05
